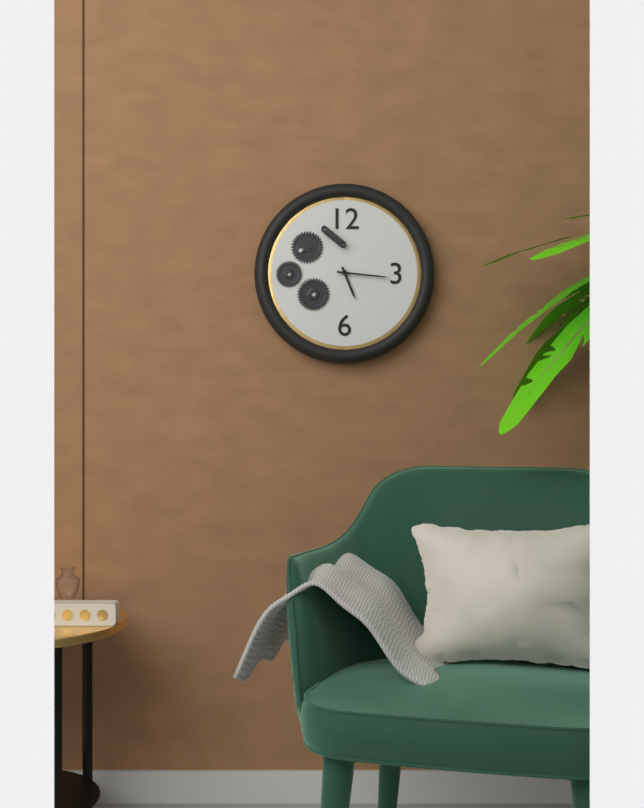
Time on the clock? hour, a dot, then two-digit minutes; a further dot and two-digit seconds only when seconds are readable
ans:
5.16
